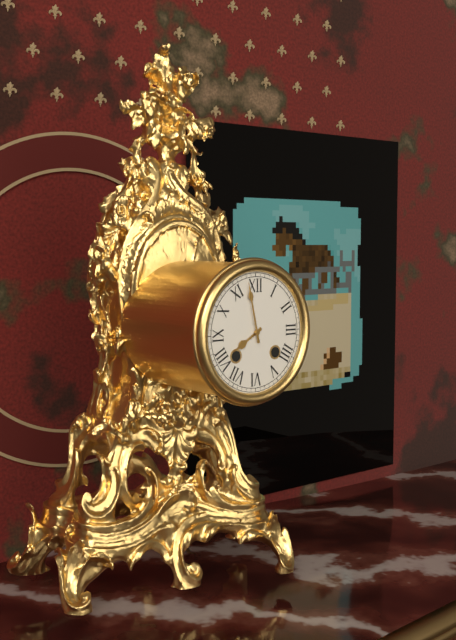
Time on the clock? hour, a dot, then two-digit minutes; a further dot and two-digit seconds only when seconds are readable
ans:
7.58
